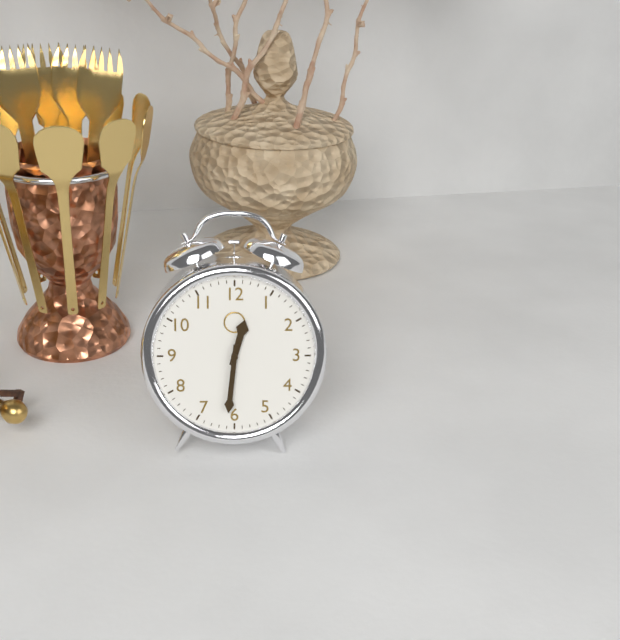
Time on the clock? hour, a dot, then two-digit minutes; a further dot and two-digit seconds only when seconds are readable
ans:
12.31
